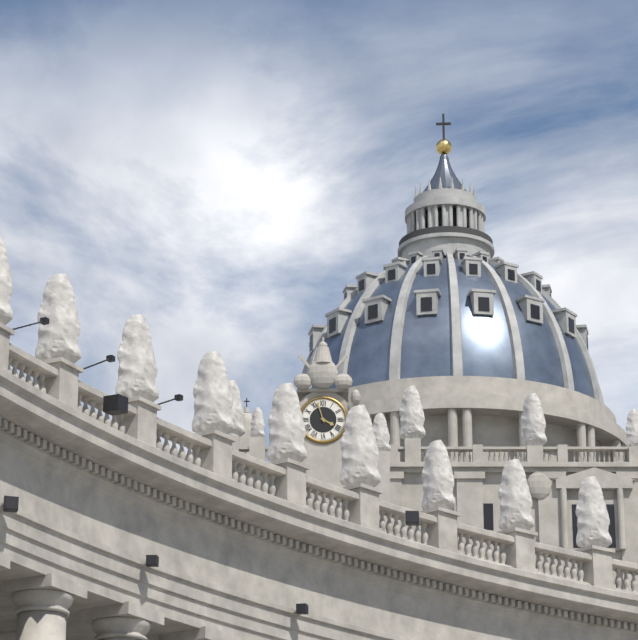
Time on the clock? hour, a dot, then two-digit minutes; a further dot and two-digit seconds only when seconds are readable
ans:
3.57
